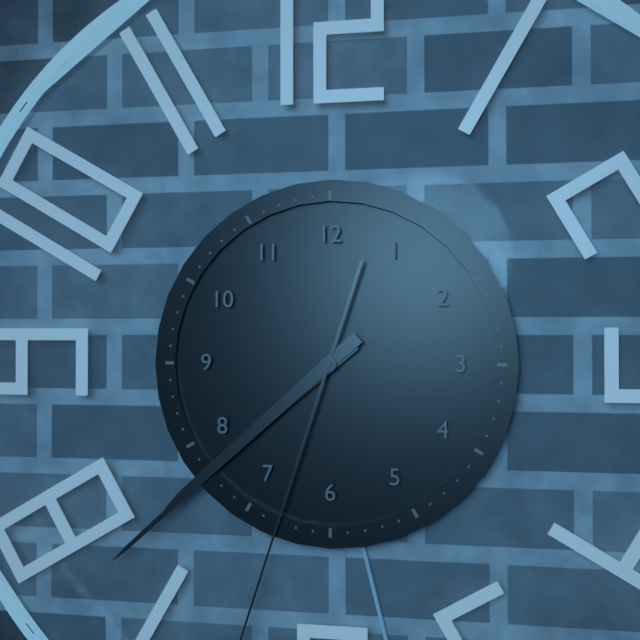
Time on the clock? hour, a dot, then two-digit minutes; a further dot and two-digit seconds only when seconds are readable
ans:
7.38
